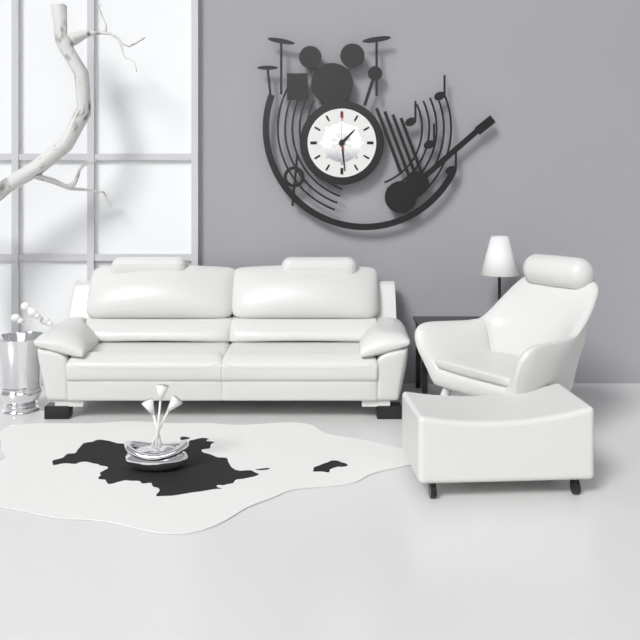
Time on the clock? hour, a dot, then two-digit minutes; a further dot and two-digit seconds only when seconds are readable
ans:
1.29
